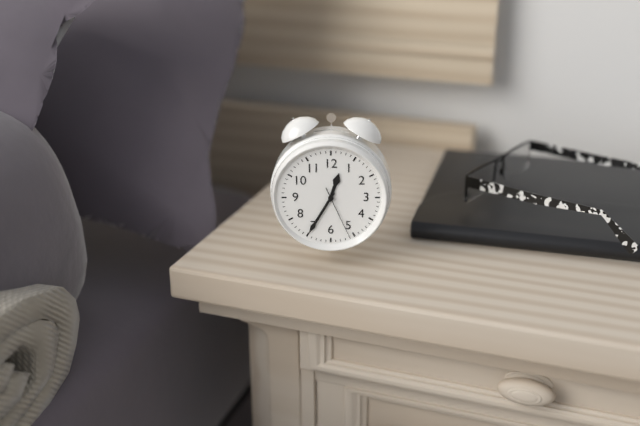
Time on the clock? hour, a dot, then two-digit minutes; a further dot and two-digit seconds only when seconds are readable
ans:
12.35.26
